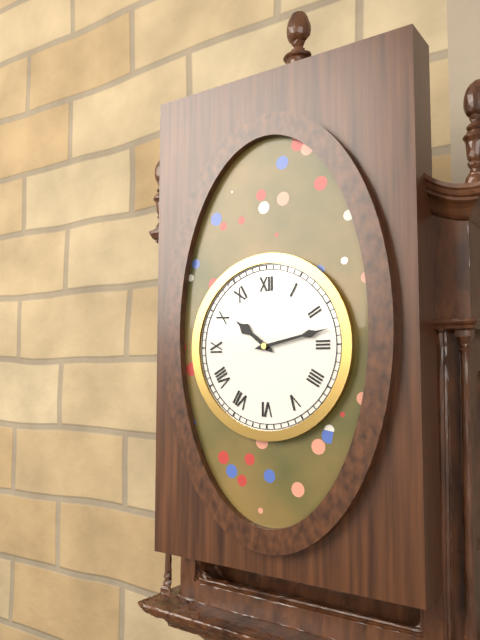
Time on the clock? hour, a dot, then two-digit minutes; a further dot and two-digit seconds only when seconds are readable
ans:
10.13
